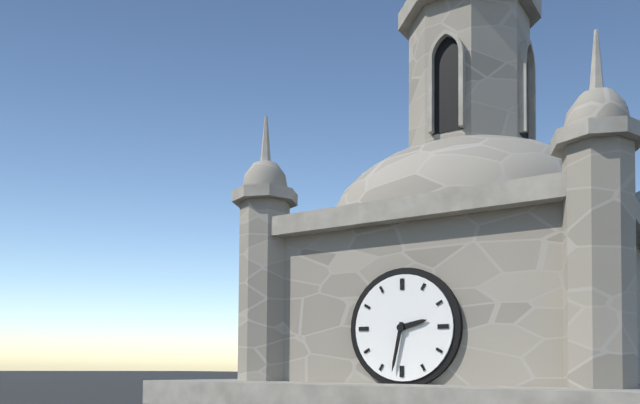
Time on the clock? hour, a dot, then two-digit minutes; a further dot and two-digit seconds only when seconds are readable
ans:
2.32
